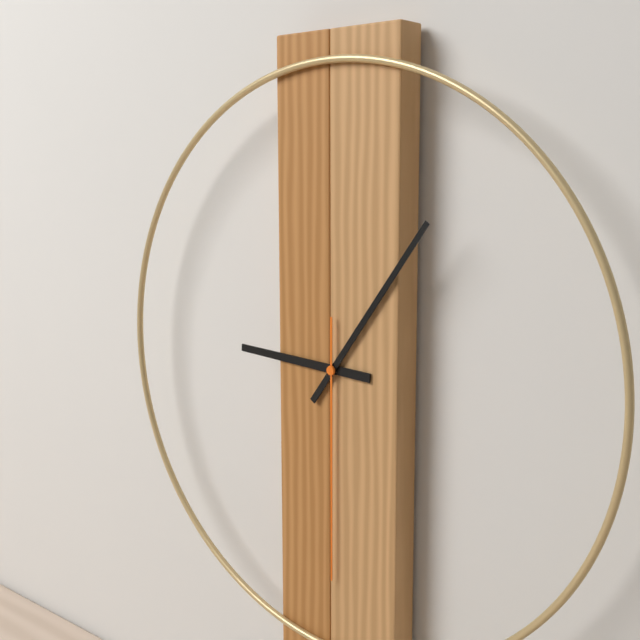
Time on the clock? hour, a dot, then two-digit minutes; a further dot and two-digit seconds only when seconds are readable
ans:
9.06.30
